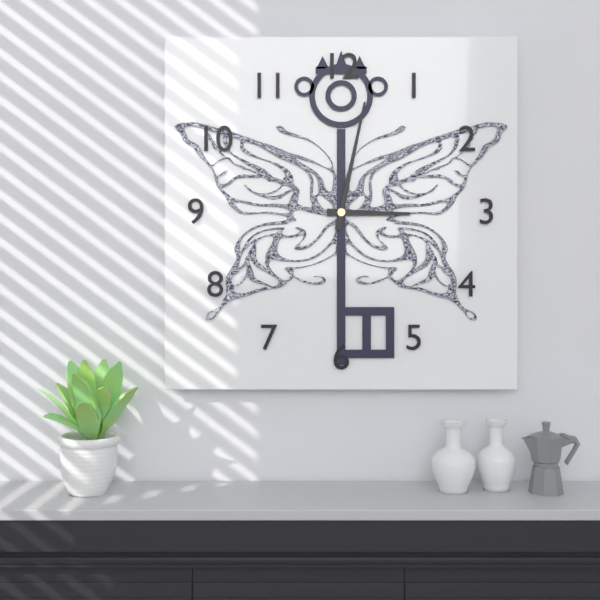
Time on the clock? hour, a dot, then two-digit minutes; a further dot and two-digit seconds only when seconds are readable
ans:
3.02
